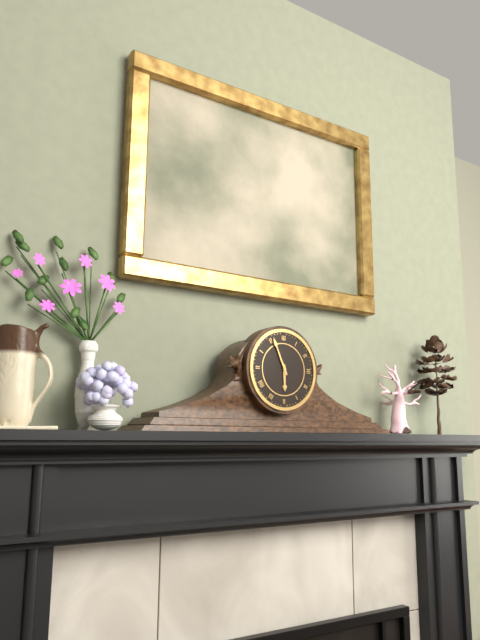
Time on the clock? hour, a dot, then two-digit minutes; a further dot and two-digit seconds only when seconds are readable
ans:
5.56
